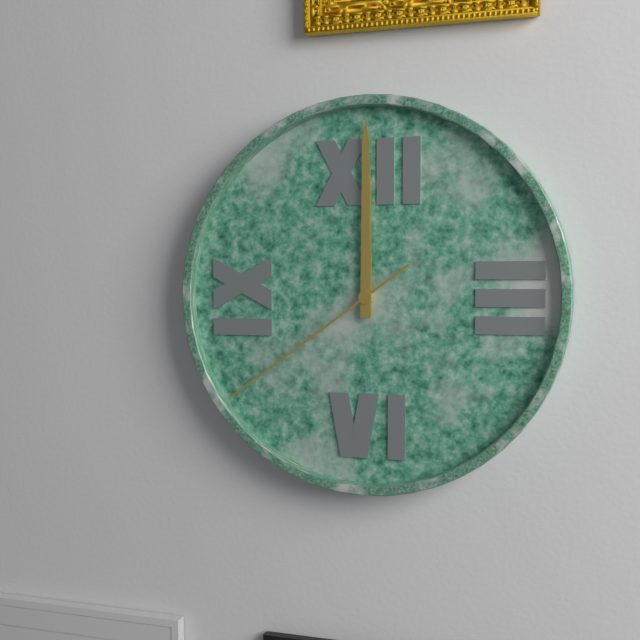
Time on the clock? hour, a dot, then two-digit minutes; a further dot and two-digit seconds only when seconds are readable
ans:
12.00.39
